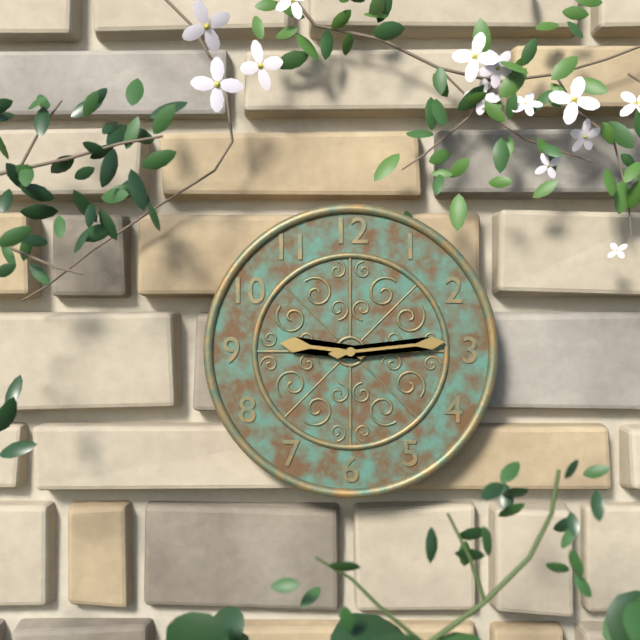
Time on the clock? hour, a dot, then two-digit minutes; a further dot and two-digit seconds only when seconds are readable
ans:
9.14
